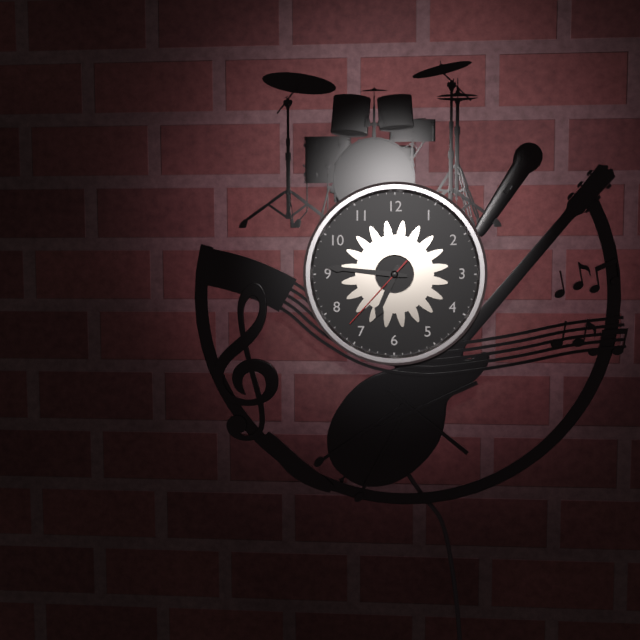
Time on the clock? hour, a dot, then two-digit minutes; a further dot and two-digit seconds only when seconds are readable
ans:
6.46.37
